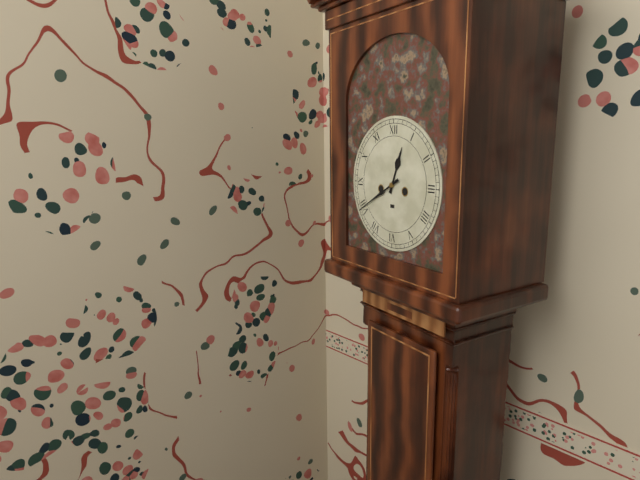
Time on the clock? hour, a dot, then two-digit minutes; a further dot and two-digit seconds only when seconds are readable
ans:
12.40
